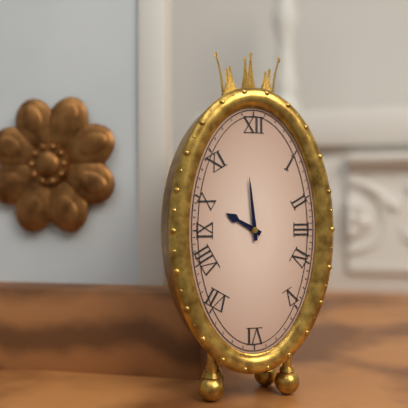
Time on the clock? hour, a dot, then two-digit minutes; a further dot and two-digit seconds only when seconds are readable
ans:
9.59
